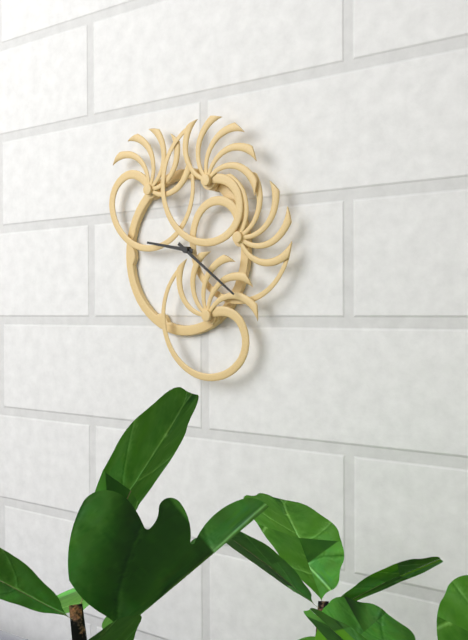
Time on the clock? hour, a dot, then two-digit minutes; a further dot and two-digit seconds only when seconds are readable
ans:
9.21
